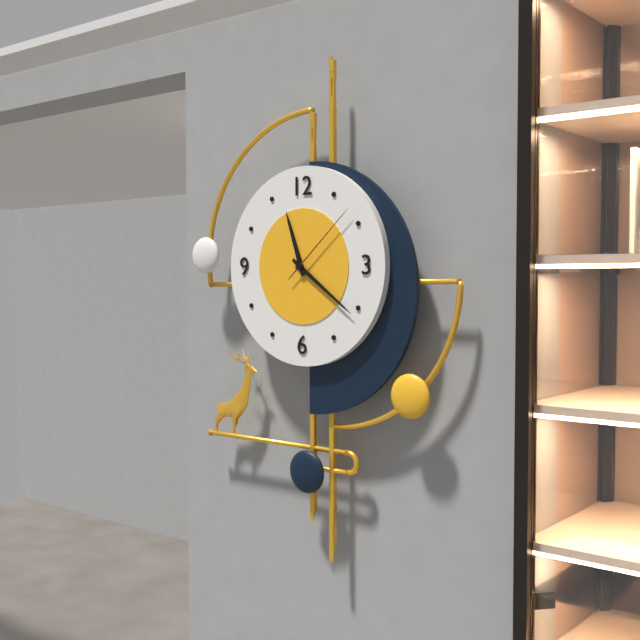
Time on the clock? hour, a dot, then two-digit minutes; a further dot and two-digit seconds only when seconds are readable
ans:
11.21.08
